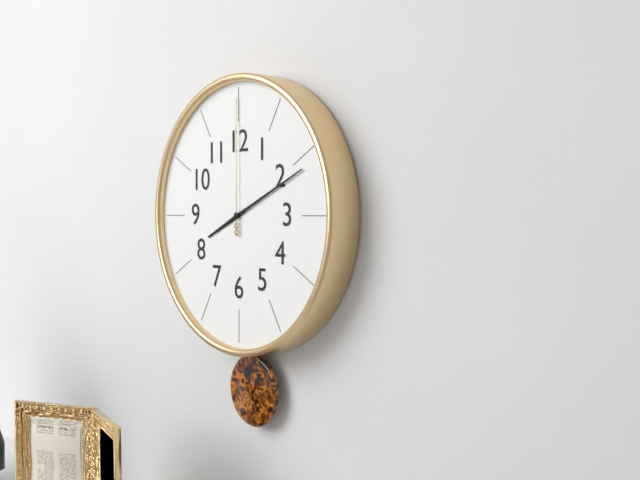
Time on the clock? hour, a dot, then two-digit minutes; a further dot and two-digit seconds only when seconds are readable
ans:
8.11.00
